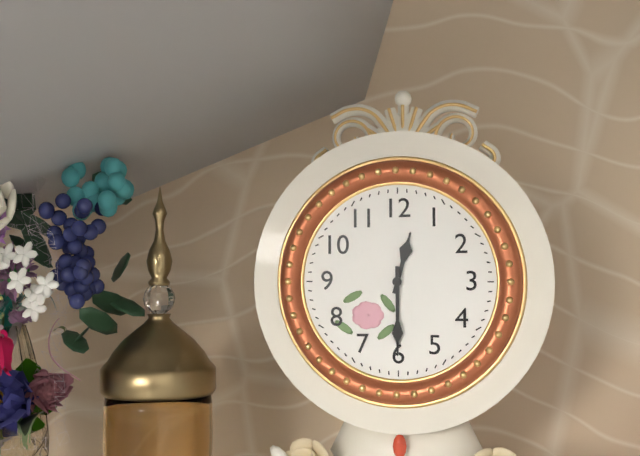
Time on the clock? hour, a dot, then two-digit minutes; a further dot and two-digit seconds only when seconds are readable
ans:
12.30
